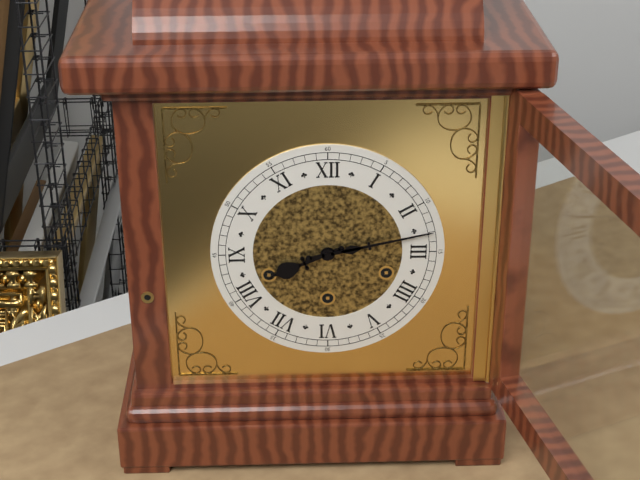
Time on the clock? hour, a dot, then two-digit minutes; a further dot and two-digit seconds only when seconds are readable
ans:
8.13
